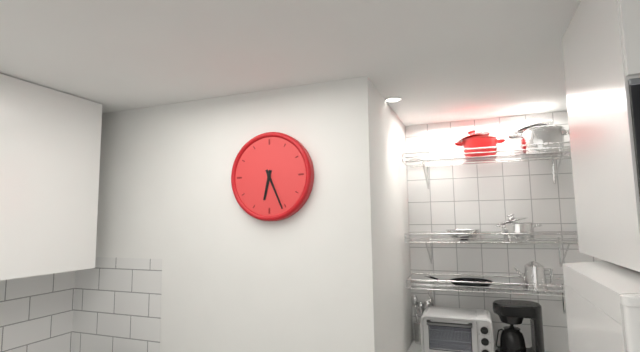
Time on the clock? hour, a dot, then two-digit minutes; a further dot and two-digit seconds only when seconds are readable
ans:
6.26
